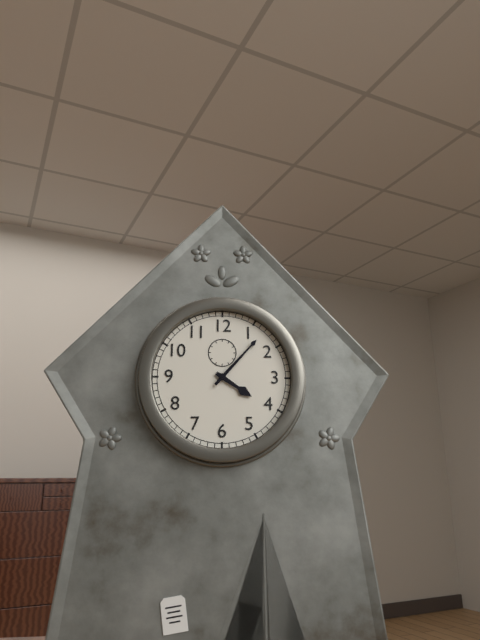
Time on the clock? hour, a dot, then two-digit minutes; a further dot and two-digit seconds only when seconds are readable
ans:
4.07
